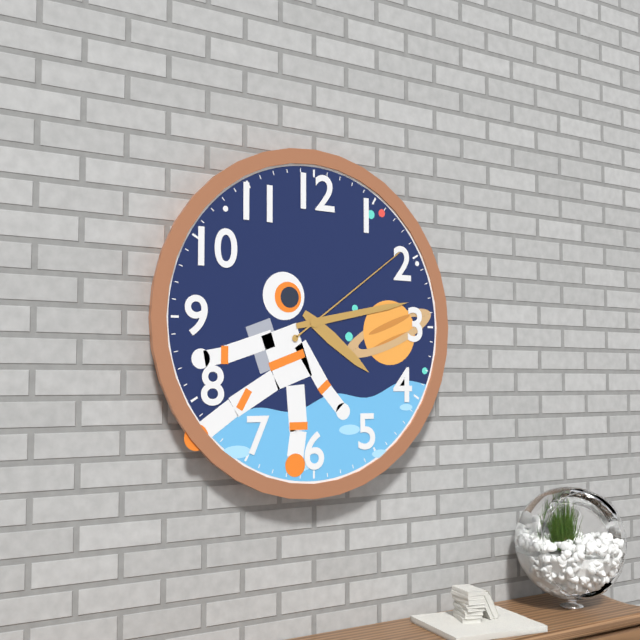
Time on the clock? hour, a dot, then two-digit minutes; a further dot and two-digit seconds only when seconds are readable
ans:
4.13.09
